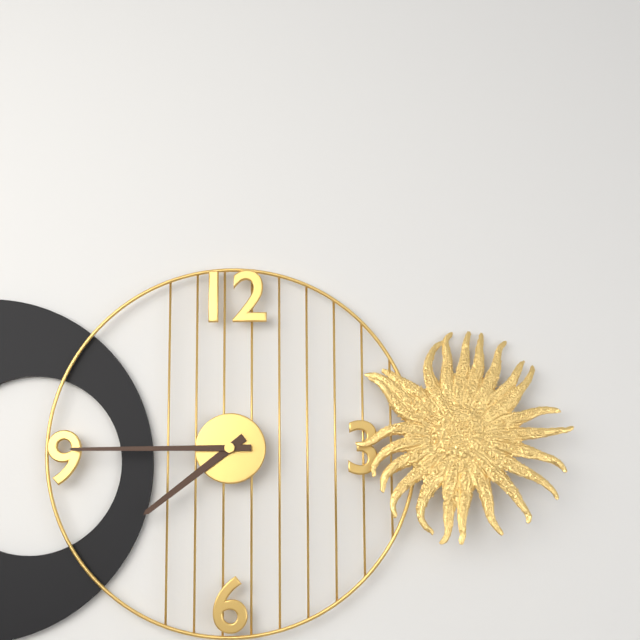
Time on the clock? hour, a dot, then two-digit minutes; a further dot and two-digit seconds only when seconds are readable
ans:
7.45
